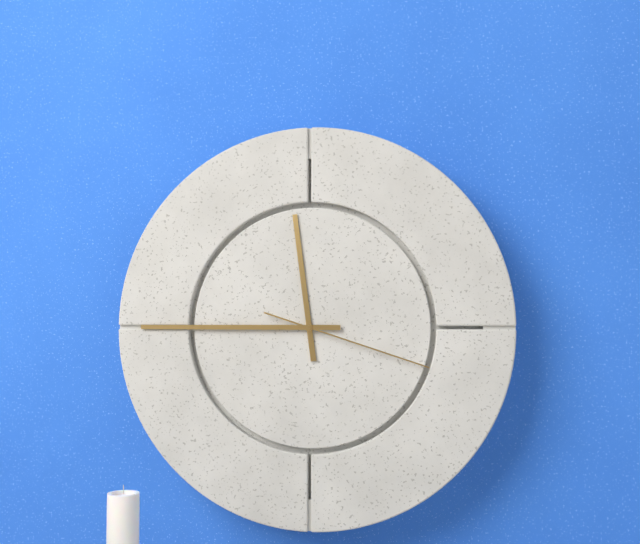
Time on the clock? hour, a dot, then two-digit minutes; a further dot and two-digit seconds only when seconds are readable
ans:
11.45.18
